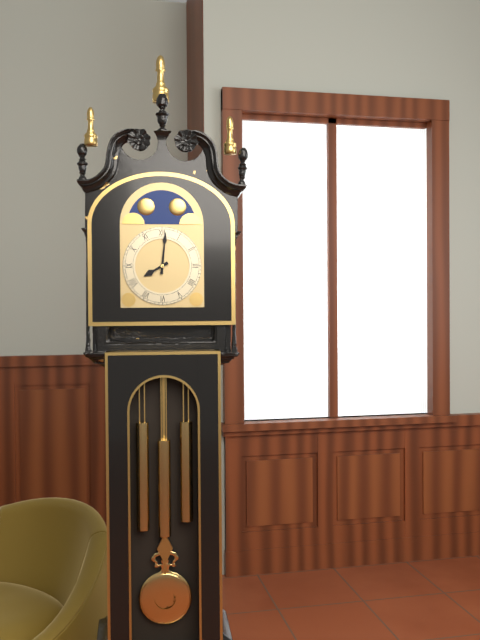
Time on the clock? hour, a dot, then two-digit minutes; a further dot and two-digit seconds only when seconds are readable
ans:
8.01
